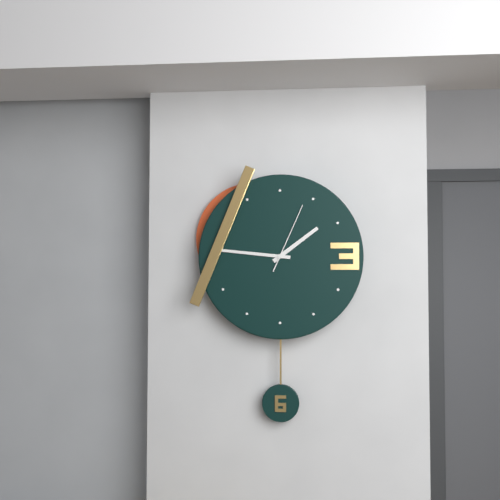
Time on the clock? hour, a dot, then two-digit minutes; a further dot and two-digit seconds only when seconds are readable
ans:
1.46.04
